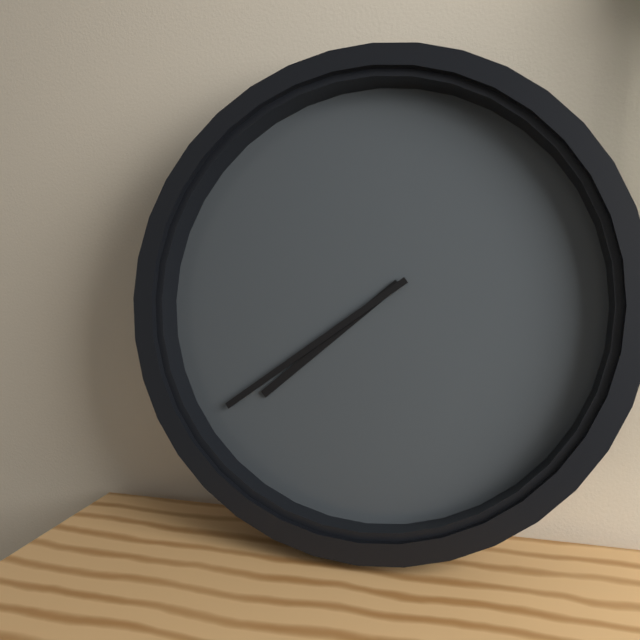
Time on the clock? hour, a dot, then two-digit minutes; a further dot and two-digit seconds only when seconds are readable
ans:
7.39
